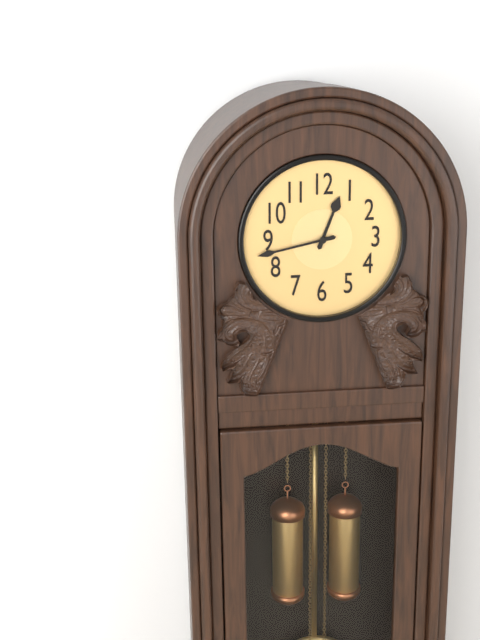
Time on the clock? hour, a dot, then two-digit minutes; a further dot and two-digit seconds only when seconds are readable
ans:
12.43
